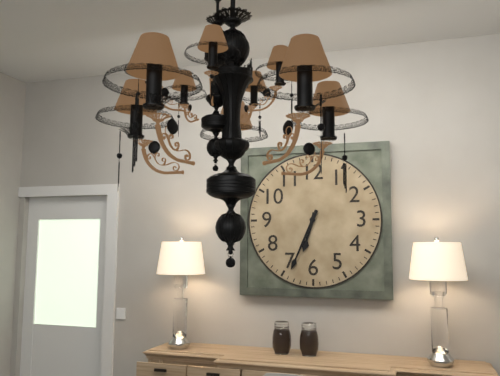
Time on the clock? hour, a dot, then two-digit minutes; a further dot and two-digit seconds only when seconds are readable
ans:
6.34
